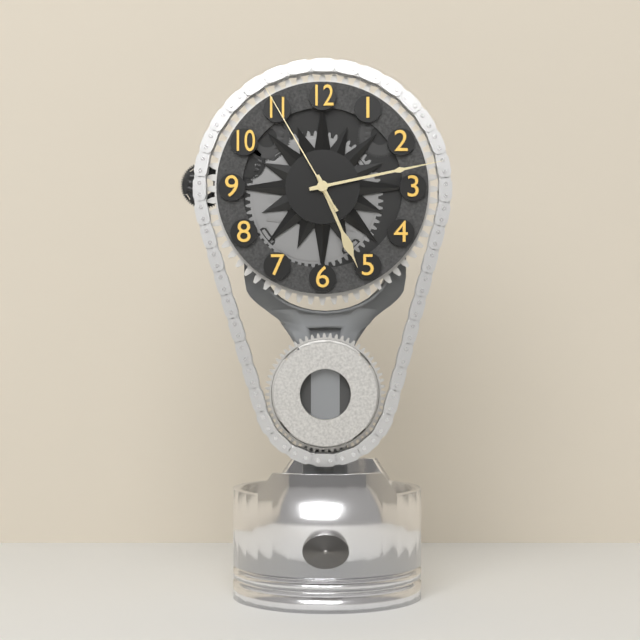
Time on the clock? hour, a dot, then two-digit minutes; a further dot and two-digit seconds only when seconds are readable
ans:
5.13.55
